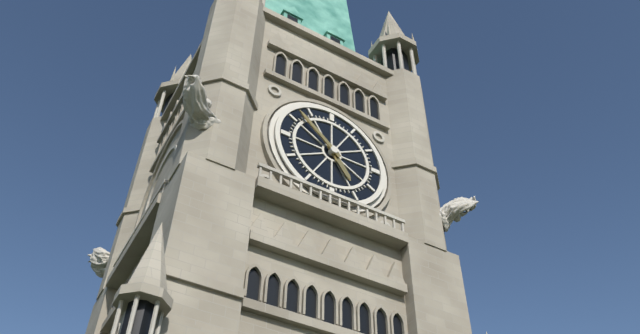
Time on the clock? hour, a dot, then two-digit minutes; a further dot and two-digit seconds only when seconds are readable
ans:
4.52
